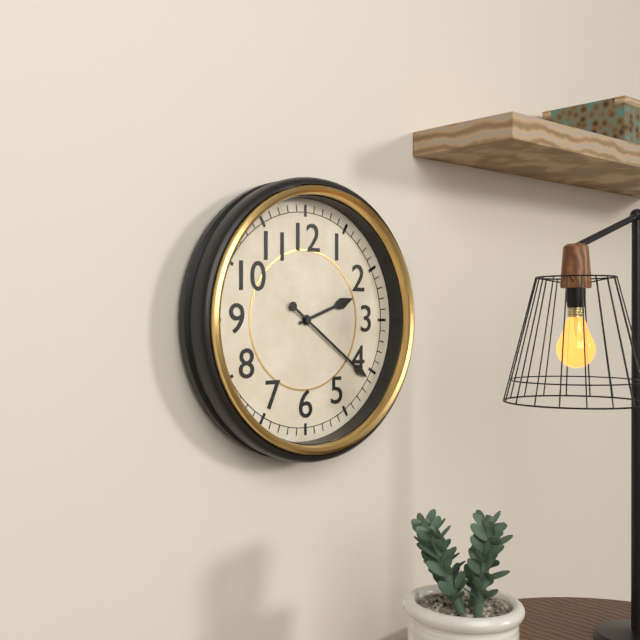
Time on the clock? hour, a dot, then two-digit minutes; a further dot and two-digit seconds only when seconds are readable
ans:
2.21
